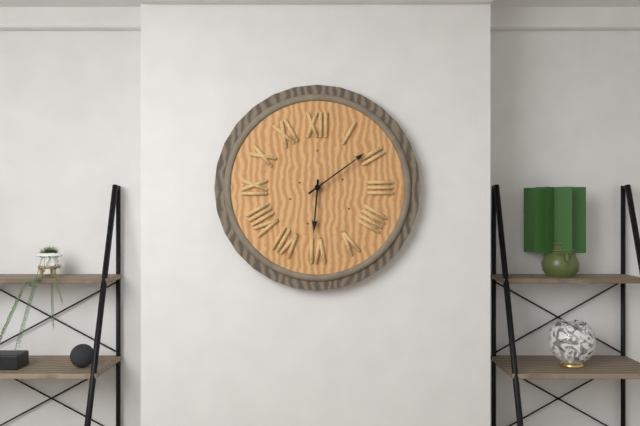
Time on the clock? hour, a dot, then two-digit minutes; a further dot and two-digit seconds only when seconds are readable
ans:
6.09
